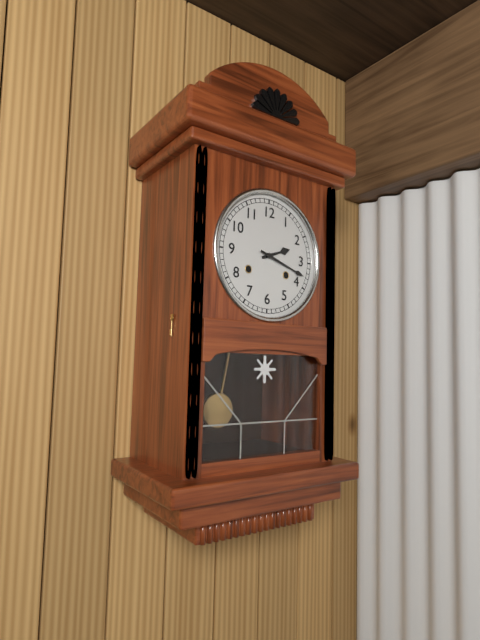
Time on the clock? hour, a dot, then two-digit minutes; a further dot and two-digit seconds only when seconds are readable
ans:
2.18
